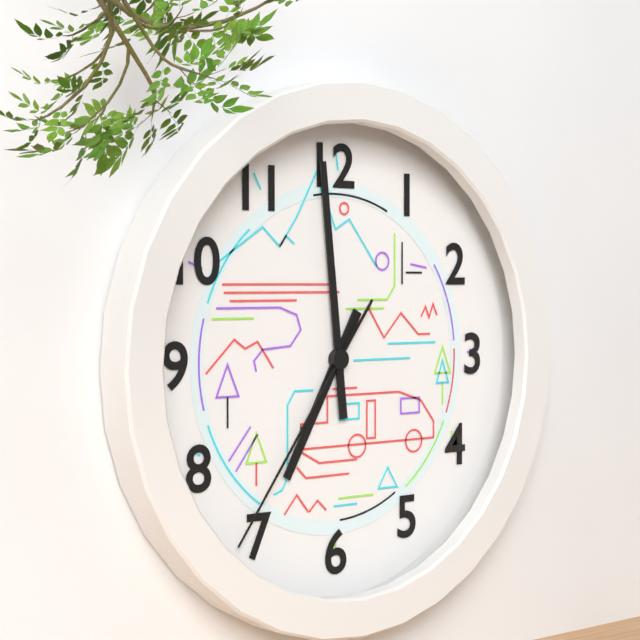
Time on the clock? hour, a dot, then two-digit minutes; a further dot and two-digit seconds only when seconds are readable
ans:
6.59.36
